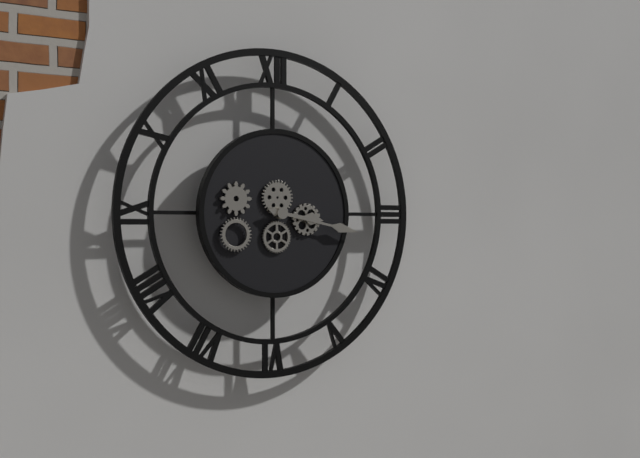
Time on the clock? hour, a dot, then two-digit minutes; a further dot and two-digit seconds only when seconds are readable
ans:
3.17
